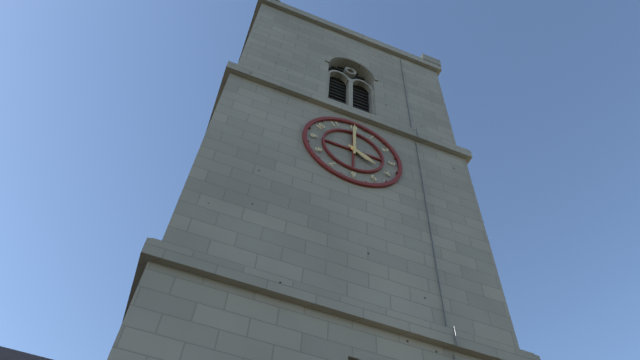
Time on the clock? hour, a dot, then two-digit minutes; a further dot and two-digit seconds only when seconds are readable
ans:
4.00
